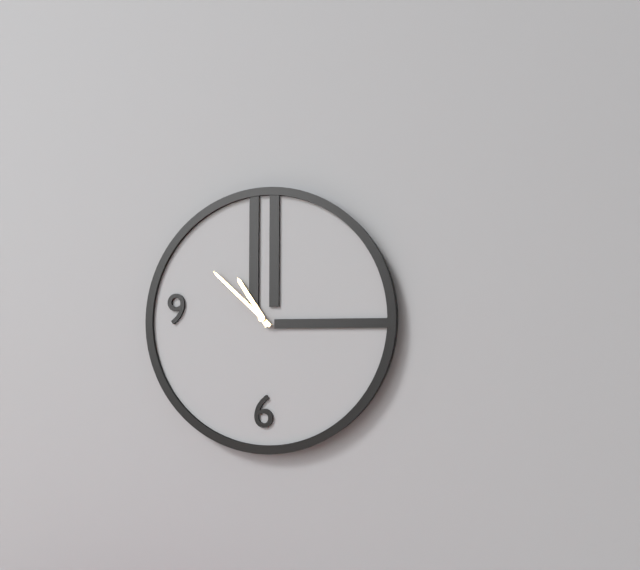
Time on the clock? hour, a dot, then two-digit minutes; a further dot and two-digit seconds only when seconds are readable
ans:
10.52
